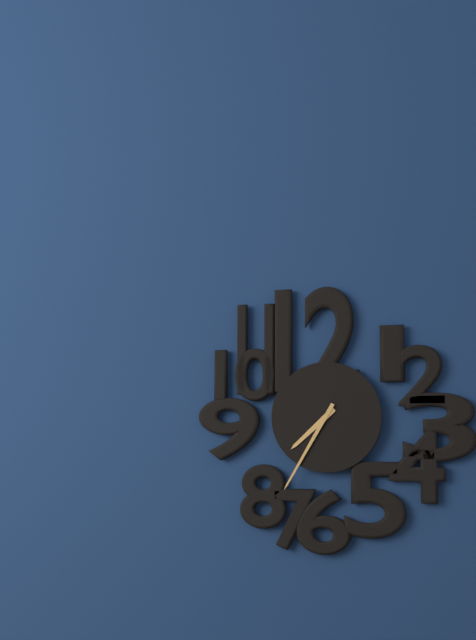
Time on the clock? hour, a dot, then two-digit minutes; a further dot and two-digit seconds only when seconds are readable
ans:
7.35
